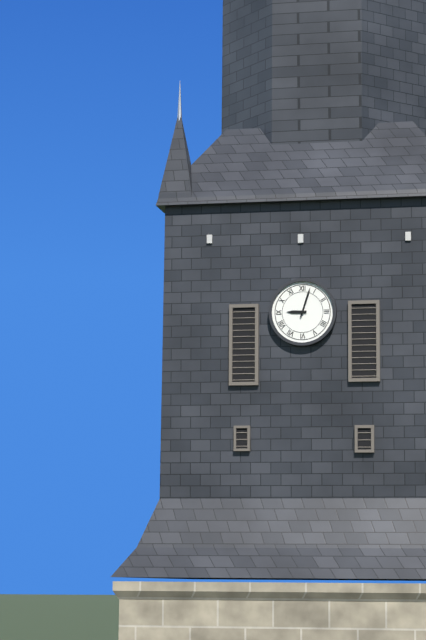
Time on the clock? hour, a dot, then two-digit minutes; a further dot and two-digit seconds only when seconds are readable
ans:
9.03
